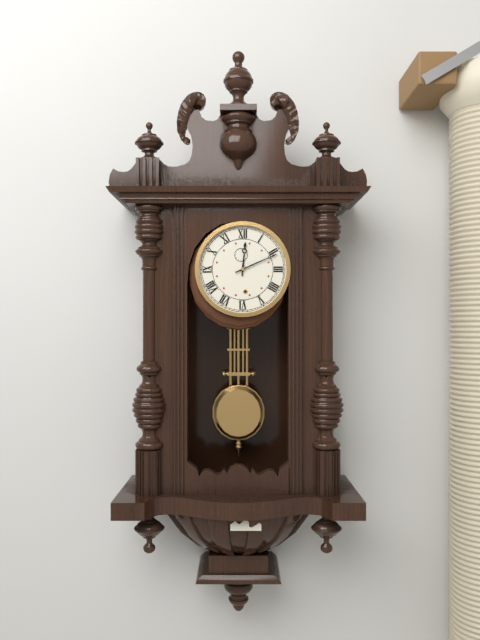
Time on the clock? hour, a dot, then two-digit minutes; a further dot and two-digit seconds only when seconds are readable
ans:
12.11
